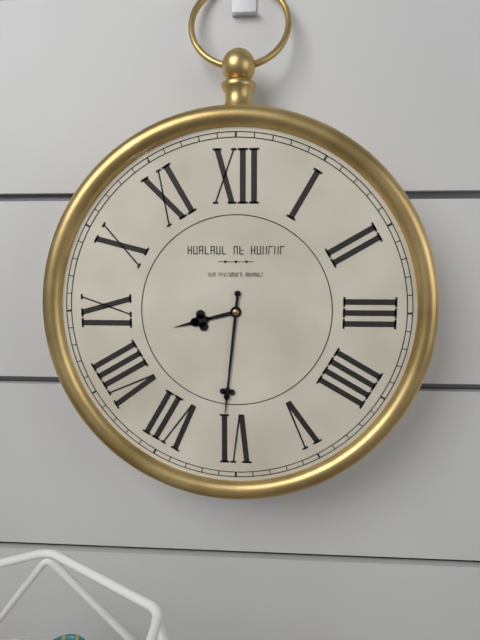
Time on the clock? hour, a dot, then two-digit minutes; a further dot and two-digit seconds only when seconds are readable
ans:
8.31
